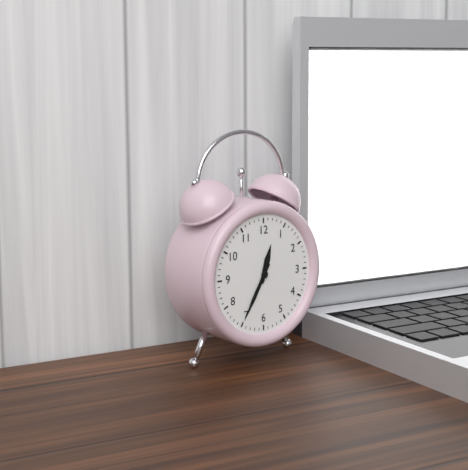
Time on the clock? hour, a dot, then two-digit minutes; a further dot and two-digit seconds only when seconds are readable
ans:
12.35
